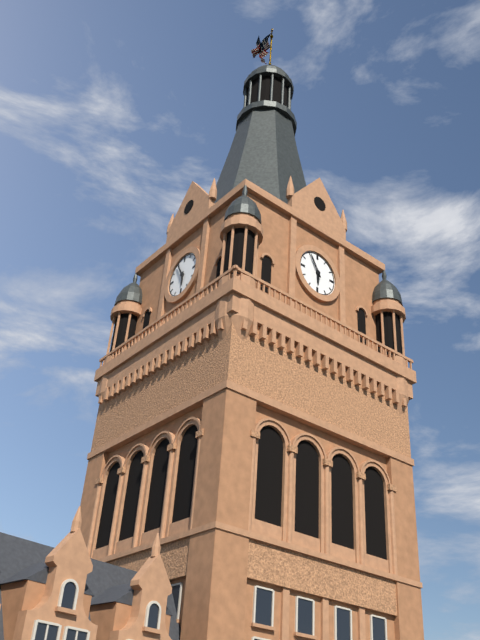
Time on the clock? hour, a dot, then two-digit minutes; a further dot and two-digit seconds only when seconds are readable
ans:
5.55
